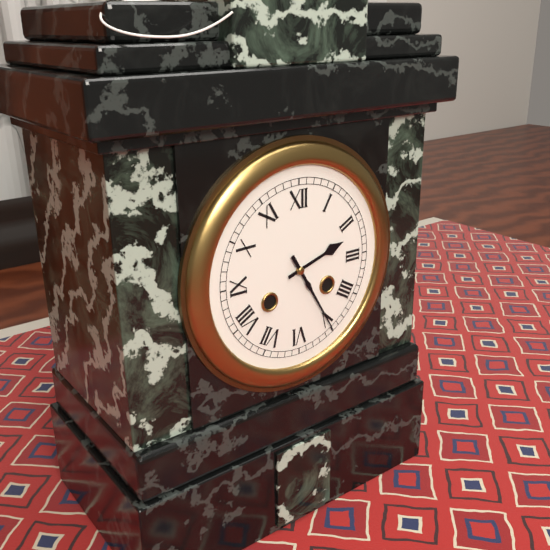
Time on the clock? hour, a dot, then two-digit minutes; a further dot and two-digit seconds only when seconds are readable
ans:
2.25
